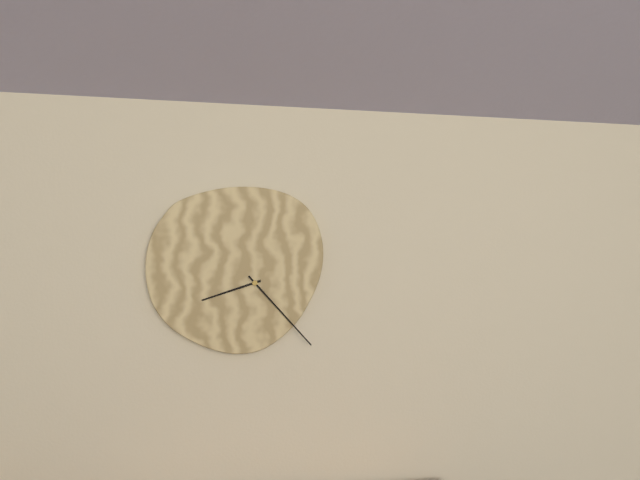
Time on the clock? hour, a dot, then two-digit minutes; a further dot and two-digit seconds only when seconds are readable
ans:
8.23
